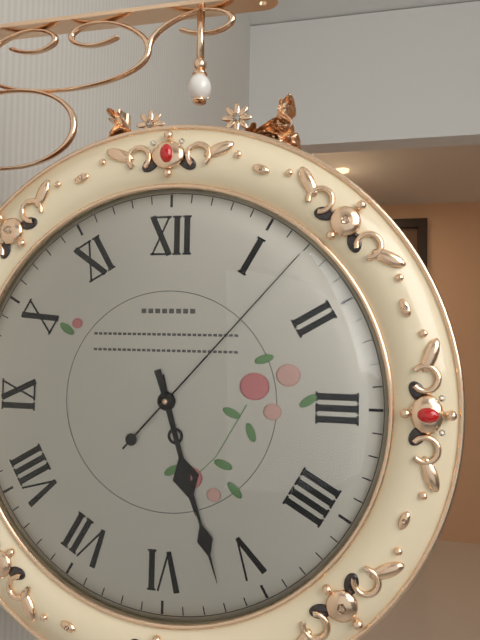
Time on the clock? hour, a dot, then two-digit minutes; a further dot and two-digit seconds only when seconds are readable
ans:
5.27.07
